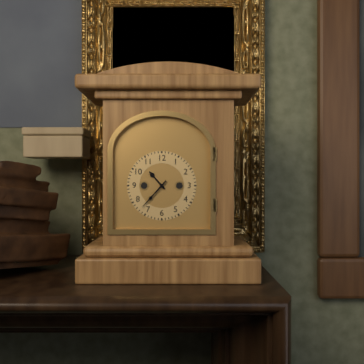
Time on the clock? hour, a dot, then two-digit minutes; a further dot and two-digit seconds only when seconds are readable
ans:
10.37
